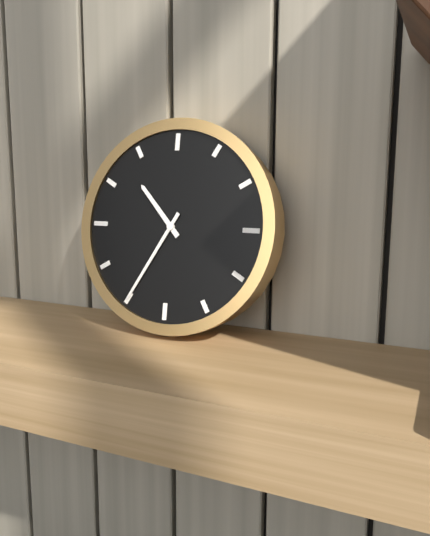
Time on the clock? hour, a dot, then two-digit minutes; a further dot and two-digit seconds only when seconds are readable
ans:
10.35
